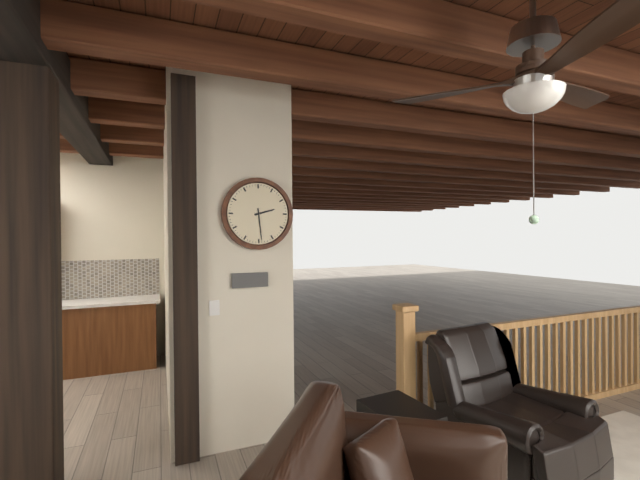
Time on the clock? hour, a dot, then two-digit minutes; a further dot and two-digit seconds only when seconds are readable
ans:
2.29
